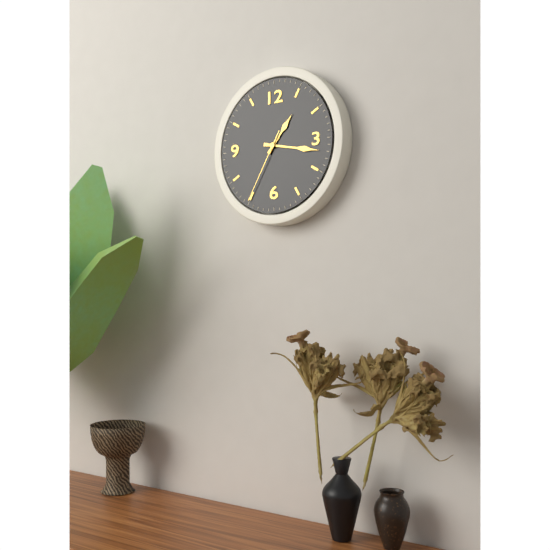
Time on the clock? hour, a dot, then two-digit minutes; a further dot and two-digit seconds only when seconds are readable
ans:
1.17.35
